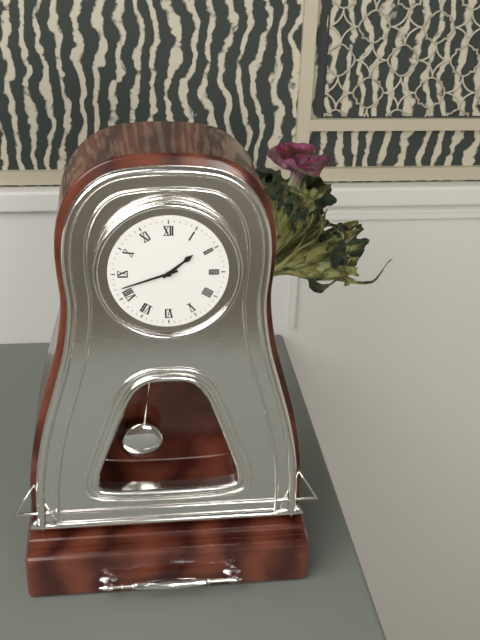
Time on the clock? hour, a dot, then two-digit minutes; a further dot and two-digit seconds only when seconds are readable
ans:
1.42
